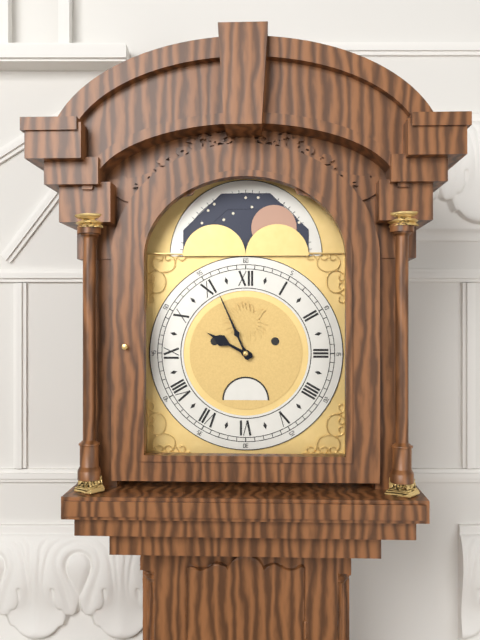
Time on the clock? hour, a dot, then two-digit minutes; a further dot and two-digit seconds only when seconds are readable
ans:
9.56
